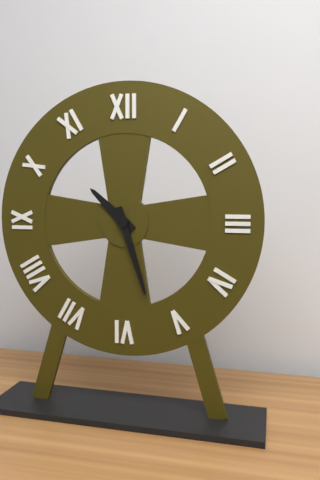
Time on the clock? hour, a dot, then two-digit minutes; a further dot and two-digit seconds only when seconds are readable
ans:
10.27
